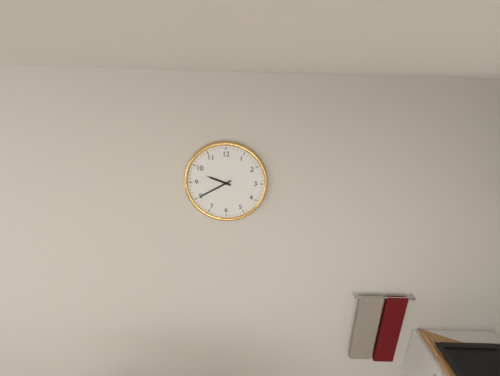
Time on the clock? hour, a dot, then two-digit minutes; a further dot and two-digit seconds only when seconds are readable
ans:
9.40
